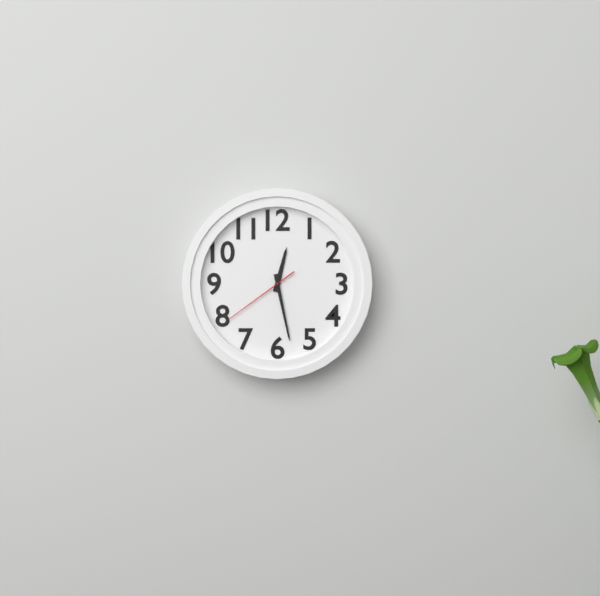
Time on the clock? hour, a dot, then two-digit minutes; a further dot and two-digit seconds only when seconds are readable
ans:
12.28.39
